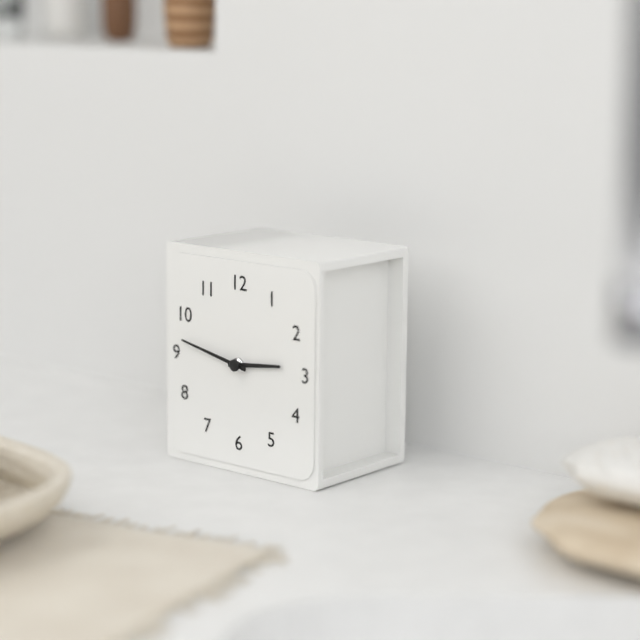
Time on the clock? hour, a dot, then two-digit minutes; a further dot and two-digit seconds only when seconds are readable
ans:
2.47
